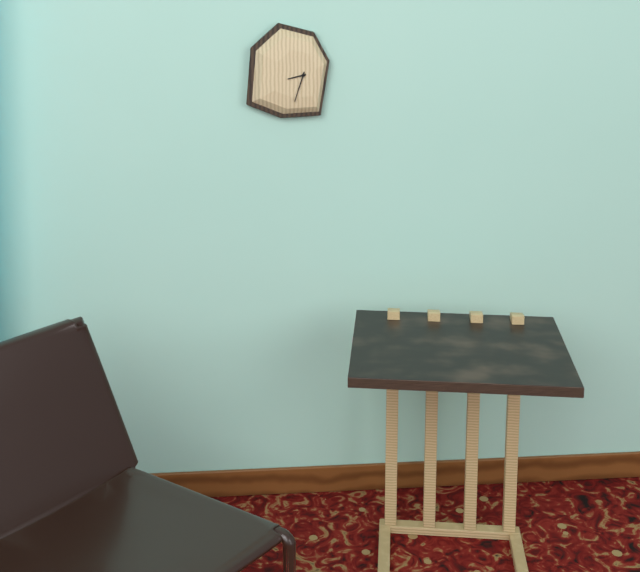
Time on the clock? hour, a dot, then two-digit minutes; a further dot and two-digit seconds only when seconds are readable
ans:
8.33
